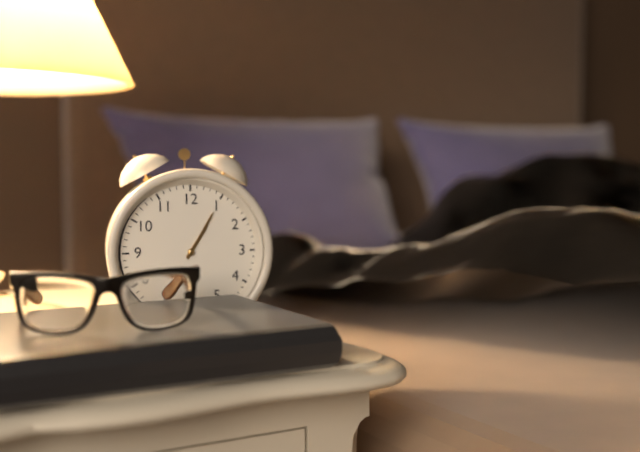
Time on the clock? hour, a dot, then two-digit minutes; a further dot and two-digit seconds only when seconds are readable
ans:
1.05
